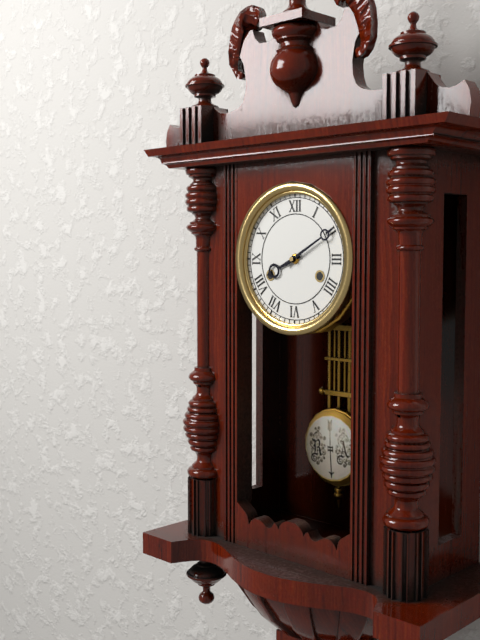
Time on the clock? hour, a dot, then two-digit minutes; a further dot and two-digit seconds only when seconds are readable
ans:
8.10
